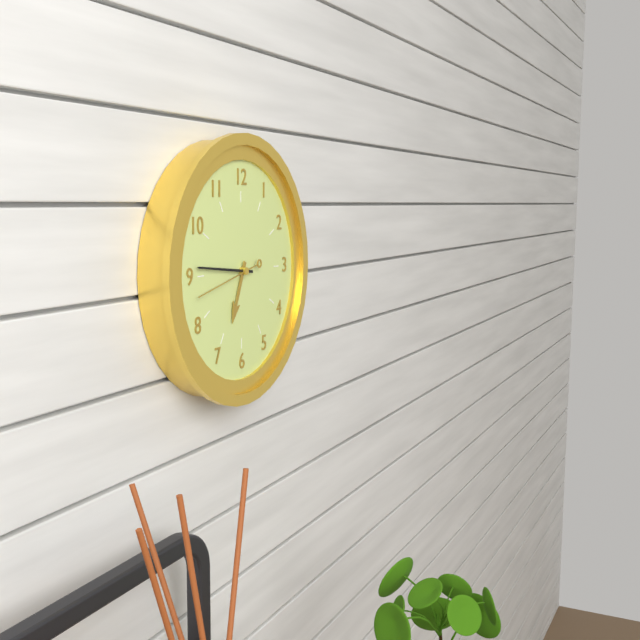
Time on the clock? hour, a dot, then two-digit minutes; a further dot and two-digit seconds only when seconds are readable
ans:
6.46.43
